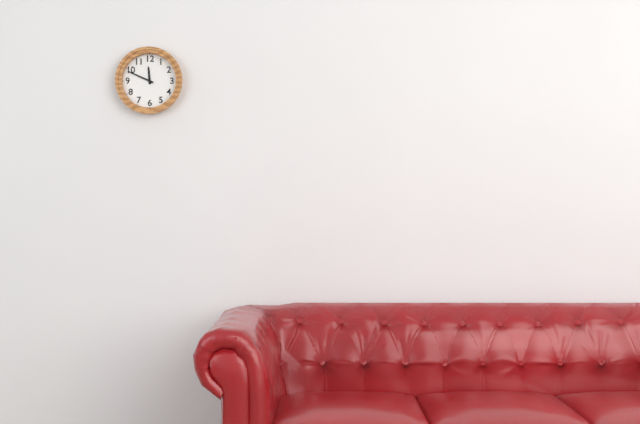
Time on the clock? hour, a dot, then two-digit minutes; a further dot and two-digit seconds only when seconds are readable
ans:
11.49
